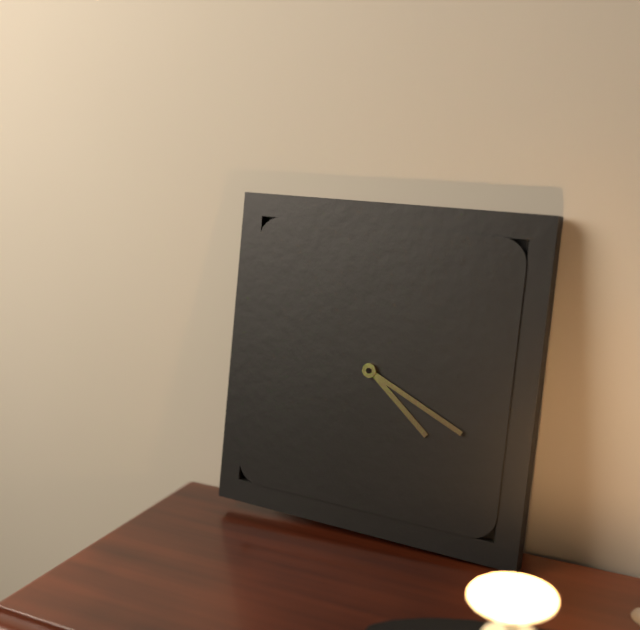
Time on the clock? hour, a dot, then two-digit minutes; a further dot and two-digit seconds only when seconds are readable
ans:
4.19
